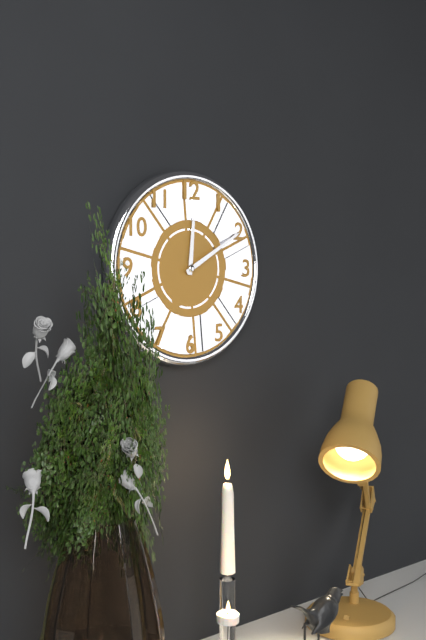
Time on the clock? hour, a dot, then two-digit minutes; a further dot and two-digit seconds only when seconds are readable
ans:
12.10
